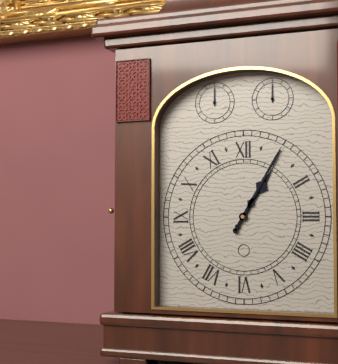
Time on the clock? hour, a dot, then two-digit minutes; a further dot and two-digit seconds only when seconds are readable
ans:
1.05
